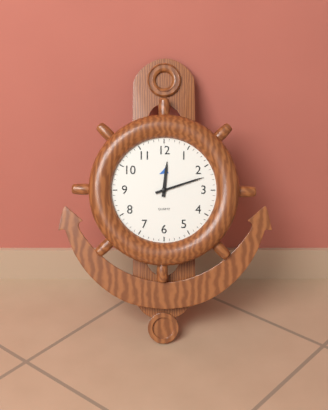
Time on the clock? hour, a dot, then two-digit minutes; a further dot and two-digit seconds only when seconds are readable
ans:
12.12
